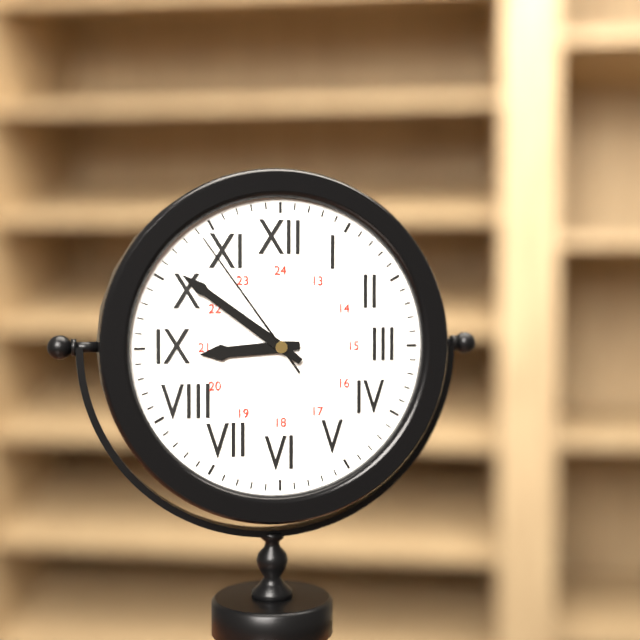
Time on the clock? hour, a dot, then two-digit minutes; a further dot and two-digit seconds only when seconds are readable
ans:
8.51.54
